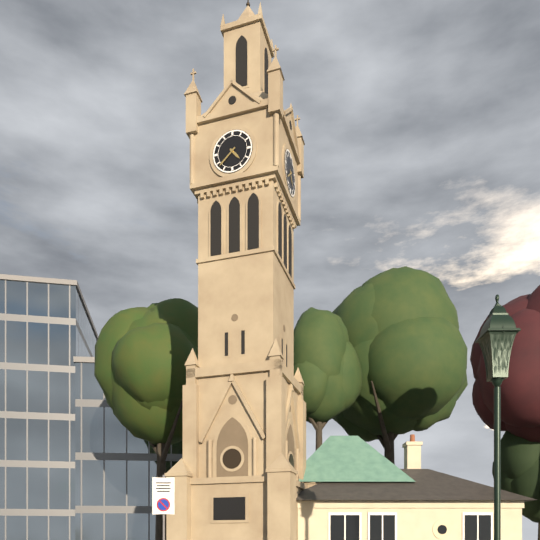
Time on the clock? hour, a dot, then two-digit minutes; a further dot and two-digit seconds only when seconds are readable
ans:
4.38
